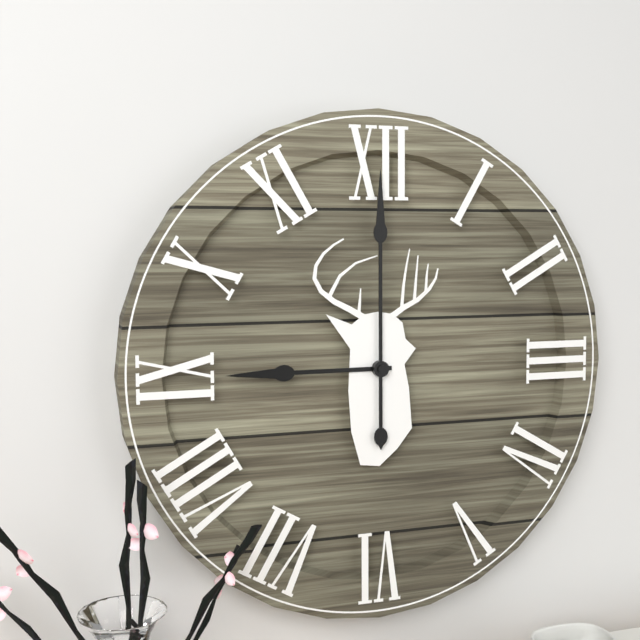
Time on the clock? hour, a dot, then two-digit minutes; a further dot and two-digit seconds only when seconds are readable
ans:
9.00
